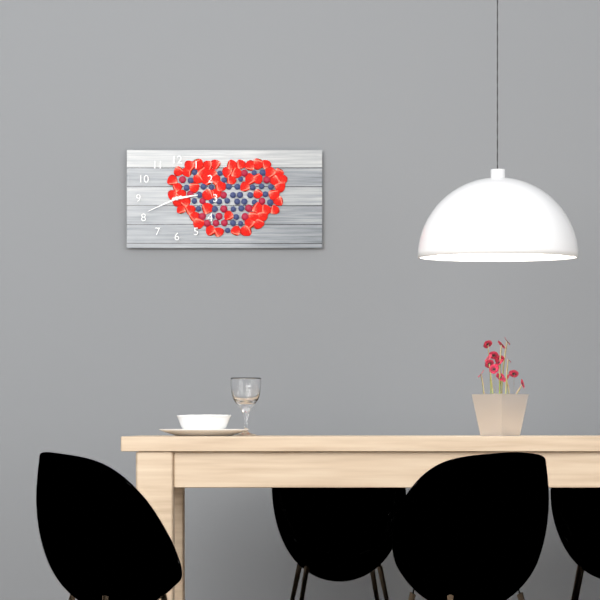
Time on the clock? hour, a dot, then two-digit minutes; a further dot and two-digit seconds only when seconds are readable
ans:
2.41
